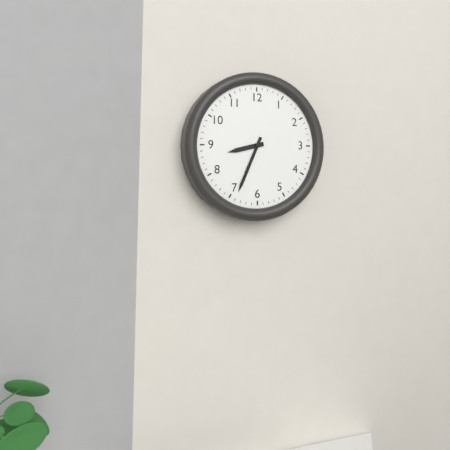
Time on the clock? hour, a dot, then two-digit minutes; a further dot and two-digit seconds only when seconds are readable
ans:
8.34
